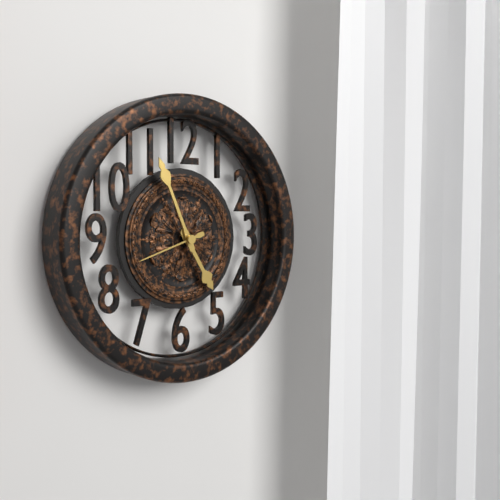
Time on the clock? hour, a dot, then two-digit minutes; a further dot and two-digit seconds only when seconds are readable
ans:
4.56.42
